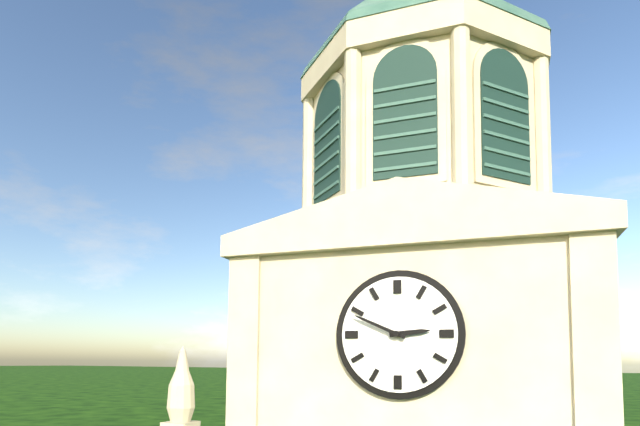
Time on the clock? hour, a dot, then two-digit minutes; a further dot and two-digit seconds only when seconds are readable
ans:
2.49
